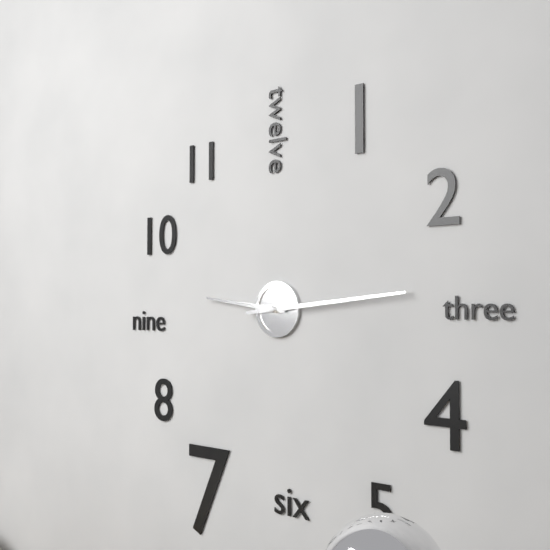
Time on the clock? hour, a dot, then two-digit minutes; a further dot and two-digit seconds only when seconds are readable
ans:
9.14
